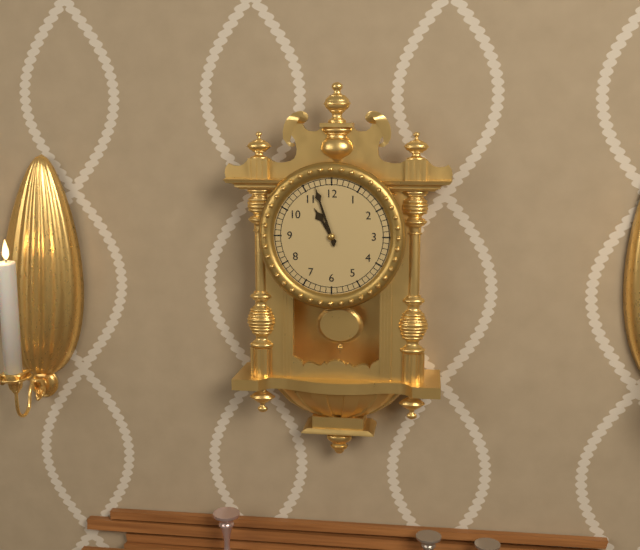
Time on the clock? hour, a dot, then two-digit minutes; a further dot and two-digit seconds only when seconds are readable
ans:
10.57
